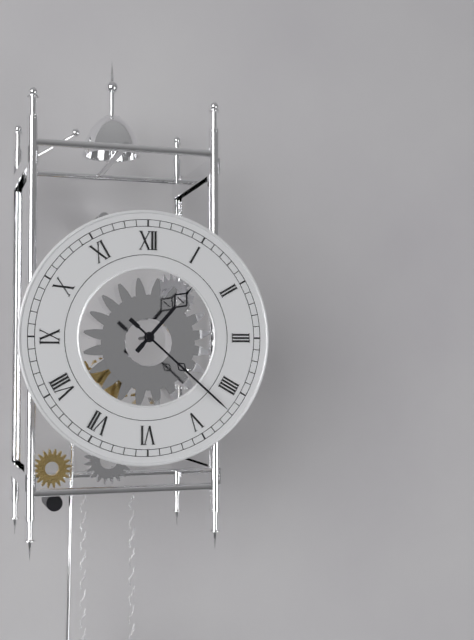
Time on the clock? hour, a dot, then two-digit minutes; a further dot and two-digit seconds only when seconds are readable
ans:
1.22
